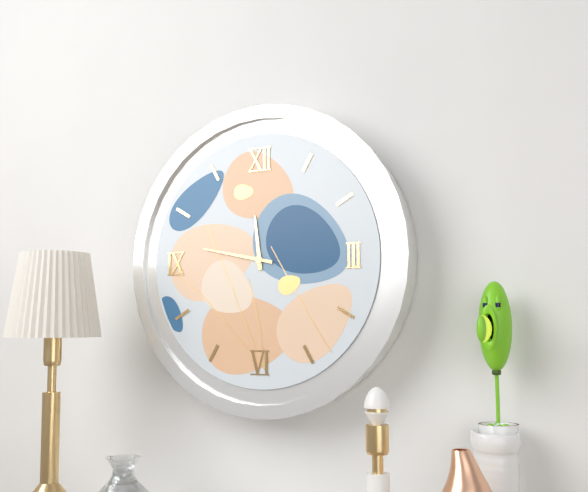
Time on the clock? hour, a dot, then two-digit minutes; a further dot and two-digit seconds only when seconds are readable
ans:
11.47
